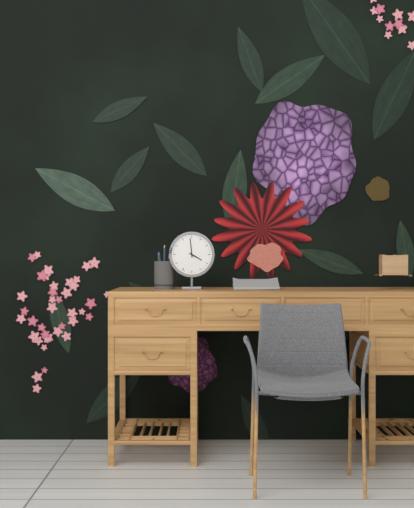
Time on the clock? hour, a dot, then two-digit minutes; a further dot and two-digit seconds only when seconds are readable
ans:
3.59
